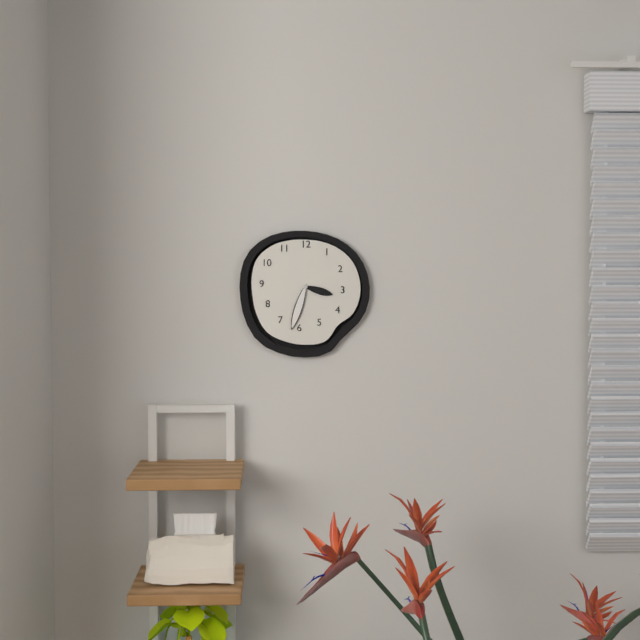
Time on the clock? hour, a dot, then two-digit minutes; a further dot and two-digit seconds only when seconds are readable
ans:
3.33
